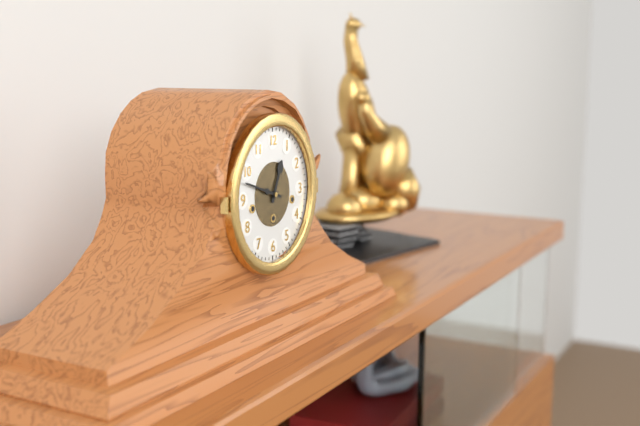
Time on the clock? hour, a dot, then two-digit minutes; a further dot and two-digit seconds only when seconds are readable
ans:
12.48
